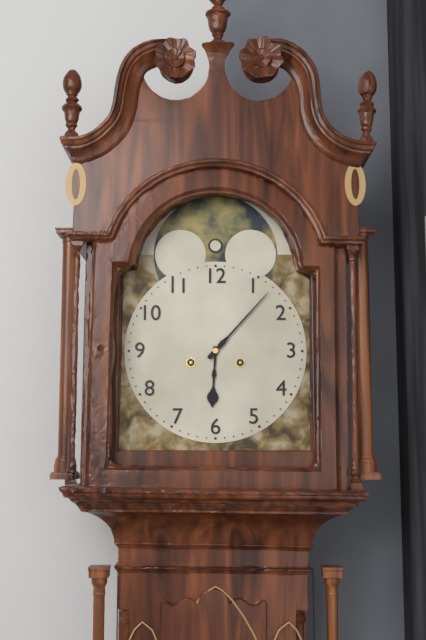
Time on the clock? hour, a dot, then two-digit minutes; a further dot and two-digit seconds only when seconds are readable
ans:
6.07
